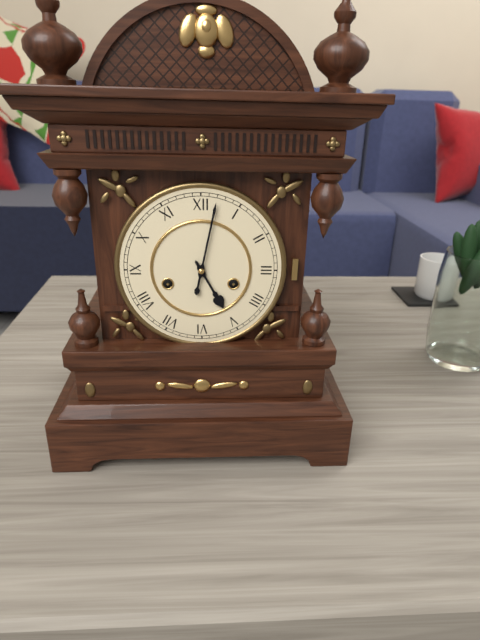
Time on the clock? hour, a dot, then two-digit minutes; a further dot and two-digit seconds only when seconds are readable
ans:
5.02
